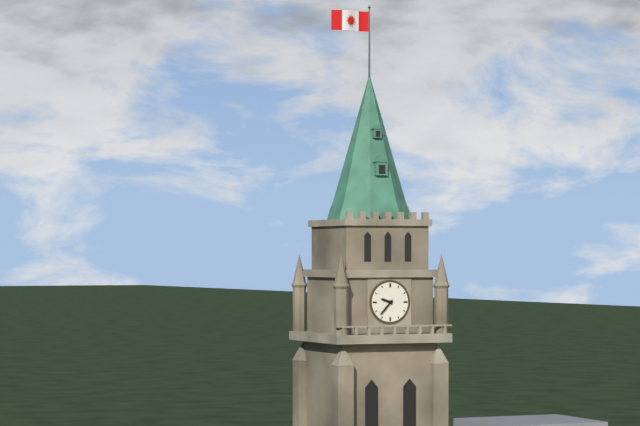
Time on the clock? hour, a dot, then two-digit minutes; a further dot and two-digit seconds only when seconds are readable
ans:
9.37
